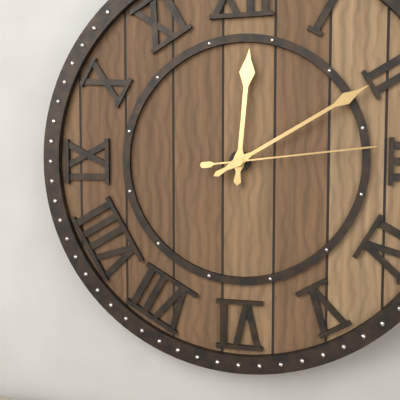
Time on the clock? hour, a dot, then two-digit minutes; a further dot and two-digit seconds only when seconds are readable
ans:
12.10.14
